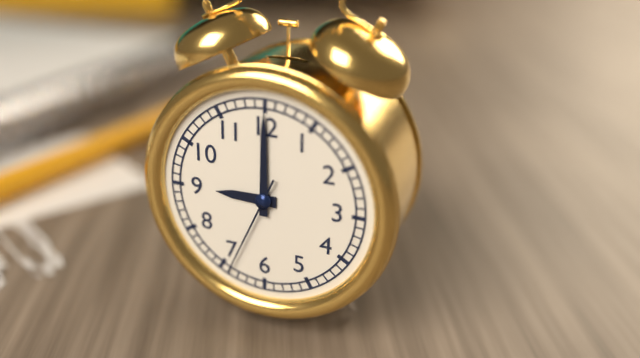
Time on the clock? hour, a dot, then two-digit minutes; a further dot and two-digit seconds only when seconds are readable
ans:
9.00.34
